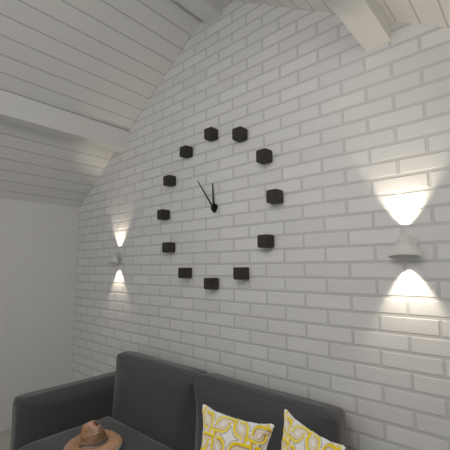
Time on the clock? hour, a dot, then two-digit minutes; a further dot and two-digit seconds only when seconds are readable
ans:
11.54
